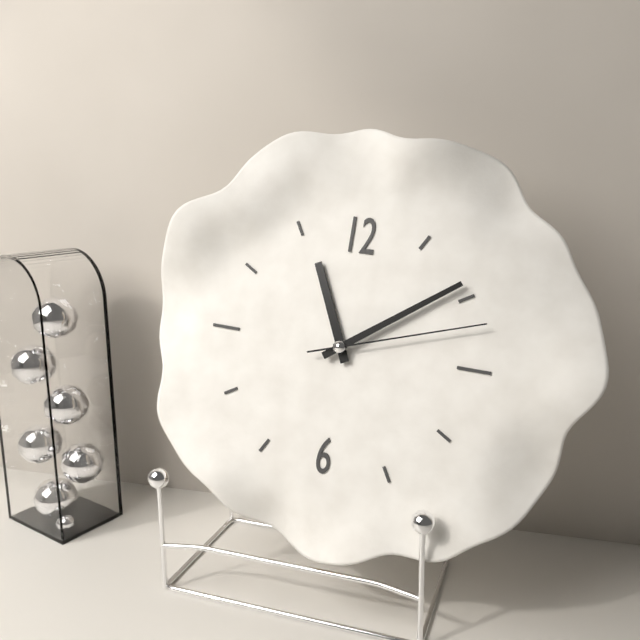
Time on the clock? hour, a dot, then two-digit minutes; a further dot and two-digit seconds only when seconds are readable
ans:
11.09.12
